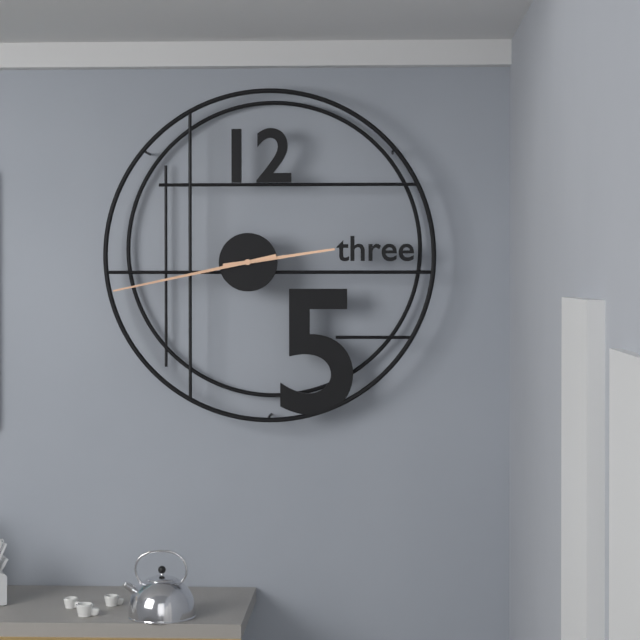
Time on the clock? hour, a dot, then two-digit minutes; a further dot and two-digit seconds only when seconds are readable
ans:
2.43
